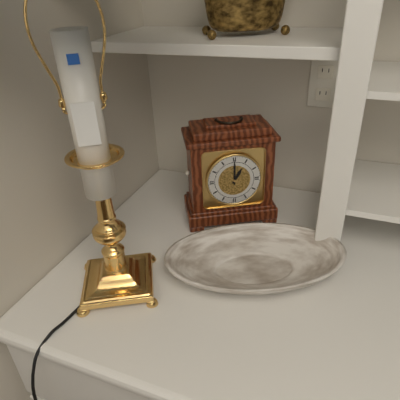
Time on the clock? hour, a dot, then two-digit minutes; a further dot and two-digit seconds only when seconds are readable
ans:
1.00
